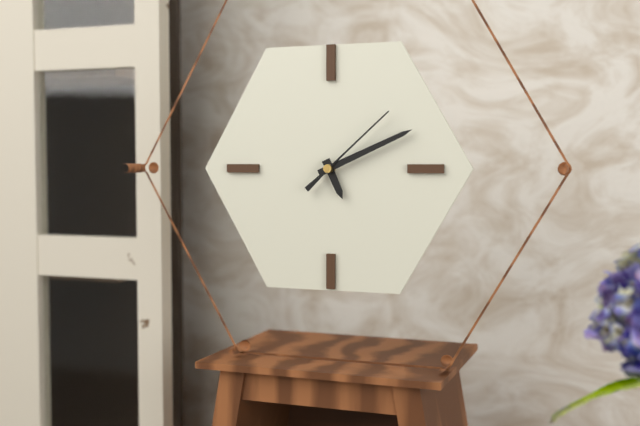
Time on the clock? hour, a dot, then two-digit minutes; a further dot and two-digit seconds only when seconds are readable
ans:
5.11.08
